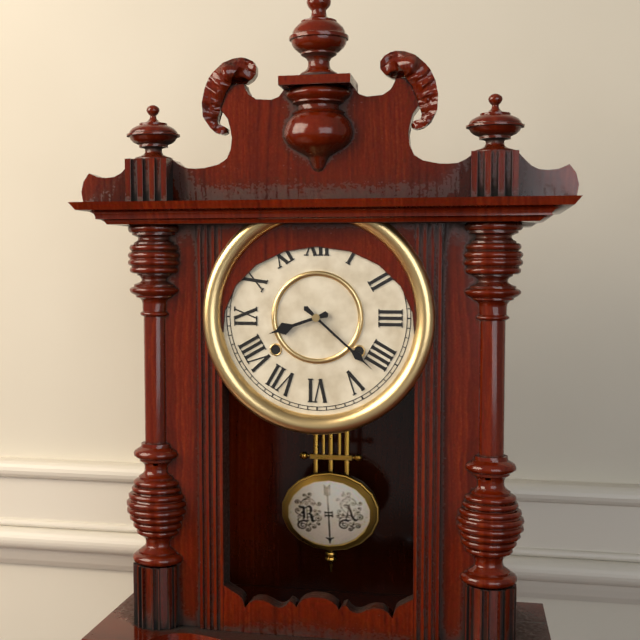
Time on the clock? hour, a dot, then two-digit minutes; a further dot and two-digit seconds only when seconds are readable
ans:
8.22
